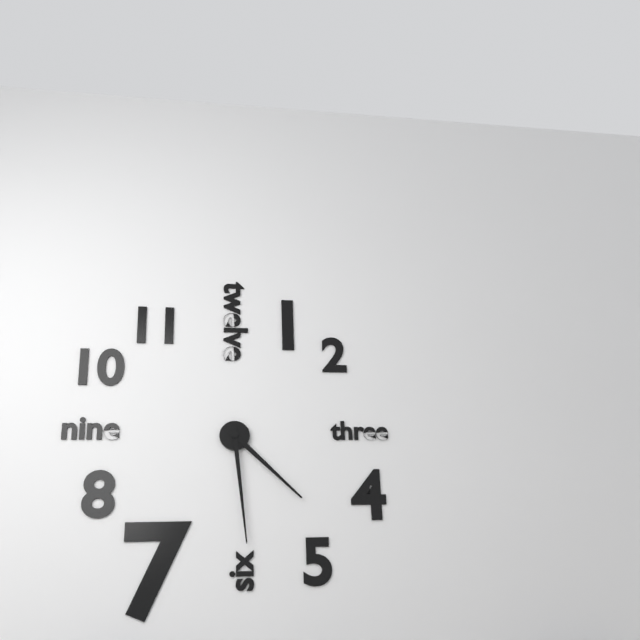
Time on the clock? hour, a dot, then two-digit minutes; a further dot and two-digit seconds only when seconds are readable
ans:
4.29
